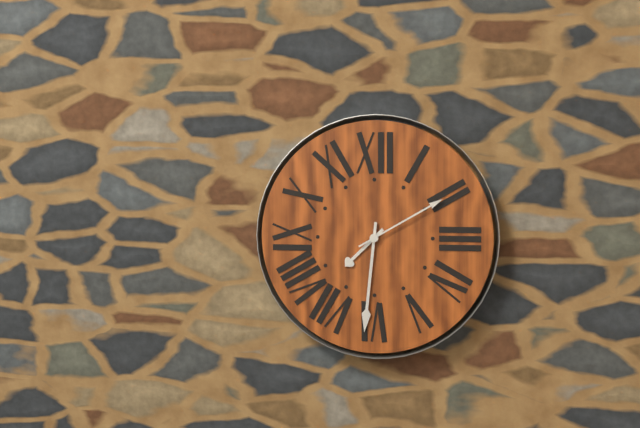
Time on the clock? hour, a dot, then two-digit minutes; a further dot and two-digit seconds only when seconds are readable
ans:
7.31.10
